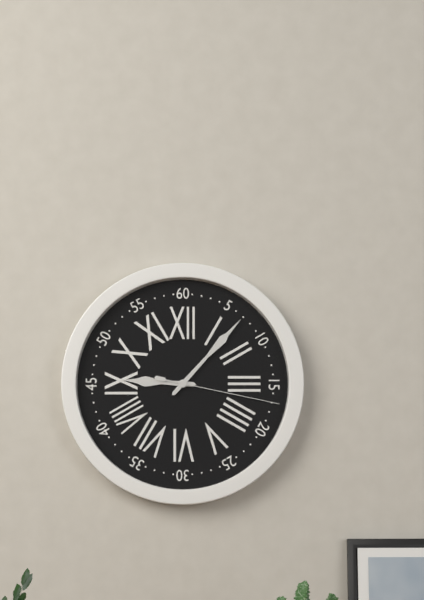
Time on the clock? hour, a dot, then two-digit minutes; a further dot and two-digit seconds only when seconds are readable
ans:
9.07.17
